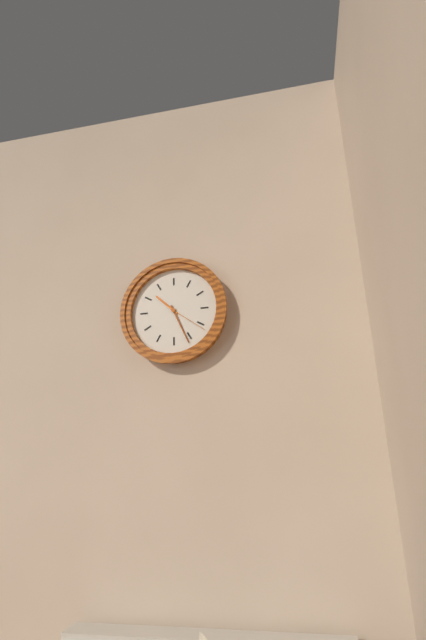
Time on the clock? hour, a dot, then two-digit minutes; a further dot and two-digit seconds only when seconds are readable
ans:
10.26
